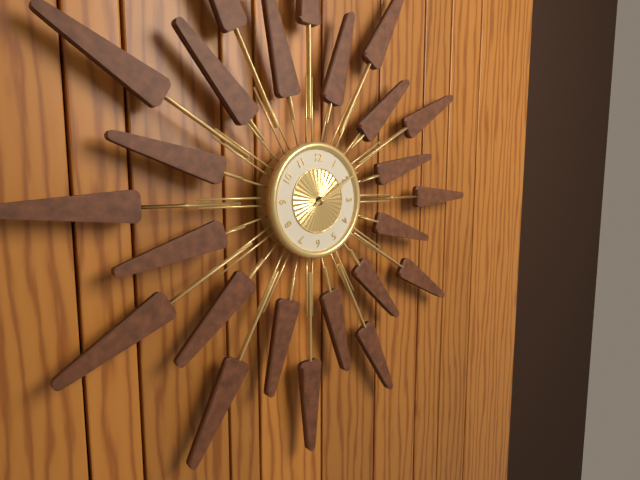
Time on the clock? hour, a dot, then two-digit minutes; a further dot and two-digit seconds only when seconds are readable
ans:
2.10
